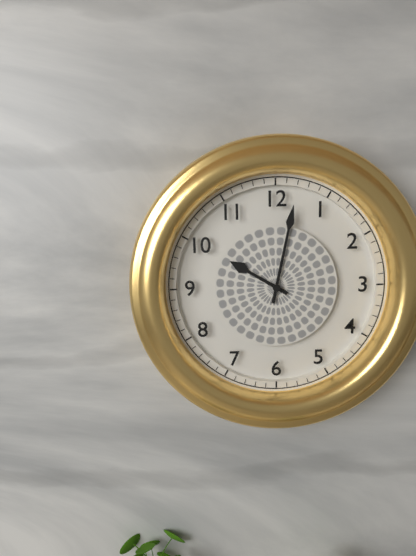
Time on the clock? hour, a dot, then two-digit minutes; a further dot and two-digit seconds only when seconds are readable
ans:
10.02
